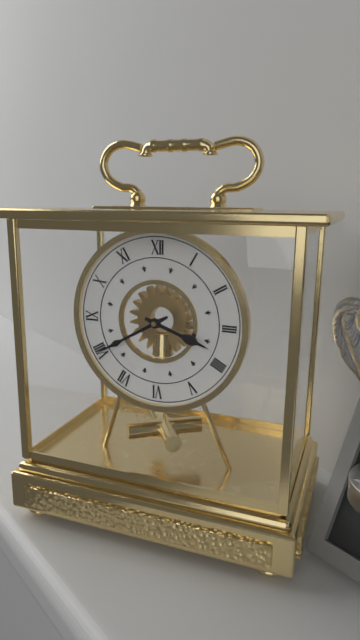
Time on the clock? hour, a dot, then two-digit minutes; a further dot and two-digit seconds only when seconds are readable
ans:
3.40
